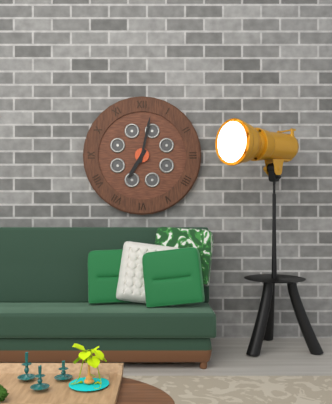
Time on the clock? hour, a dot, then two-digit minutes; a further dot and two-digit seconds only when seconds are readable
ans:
7.02
